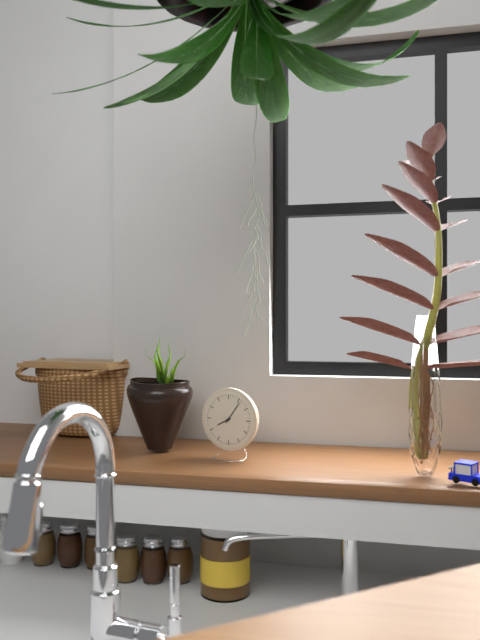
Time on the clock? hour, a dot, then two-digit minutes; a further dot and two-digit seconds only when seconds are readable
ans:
8.06
